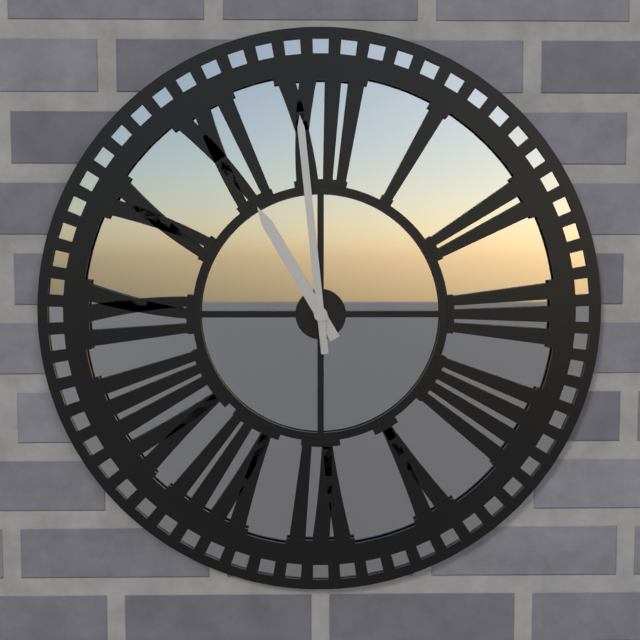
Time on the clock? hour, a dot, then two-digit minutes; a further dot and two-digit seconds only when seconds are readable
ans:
10.59
